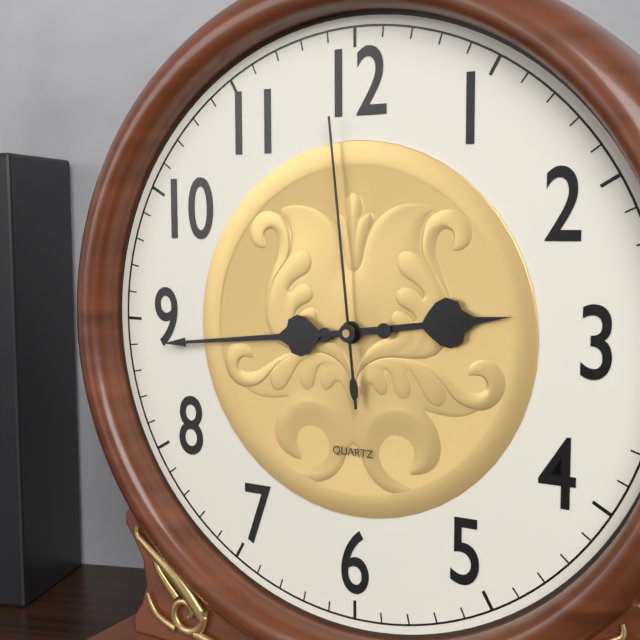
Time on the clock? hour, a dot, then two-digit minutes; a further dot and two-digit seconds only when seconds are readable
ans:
2.44.59
